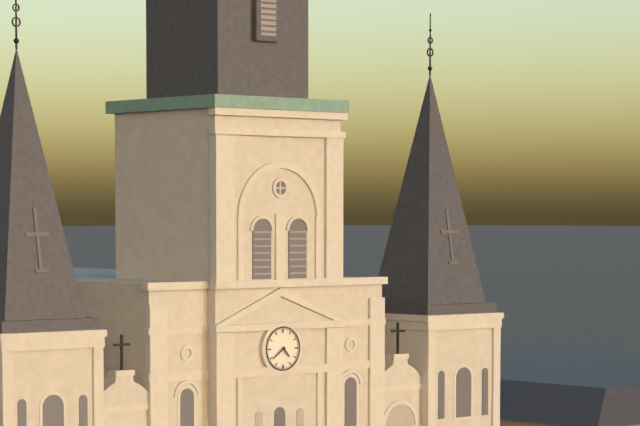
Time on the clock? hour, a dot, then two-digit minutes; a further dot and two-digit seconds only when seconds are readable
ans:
4.39
